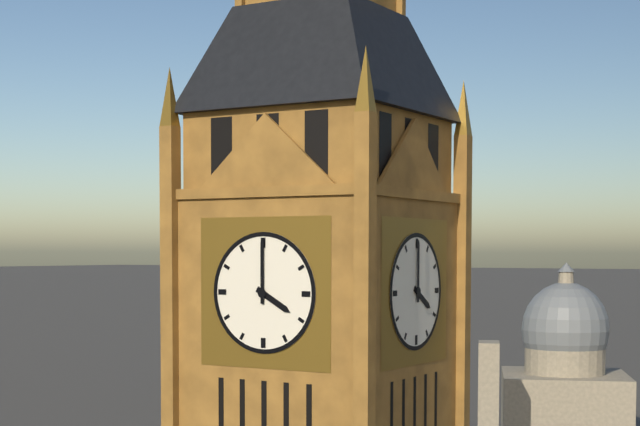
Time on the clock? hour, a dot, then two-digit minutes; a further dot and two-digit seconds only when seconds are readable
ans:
4.00
